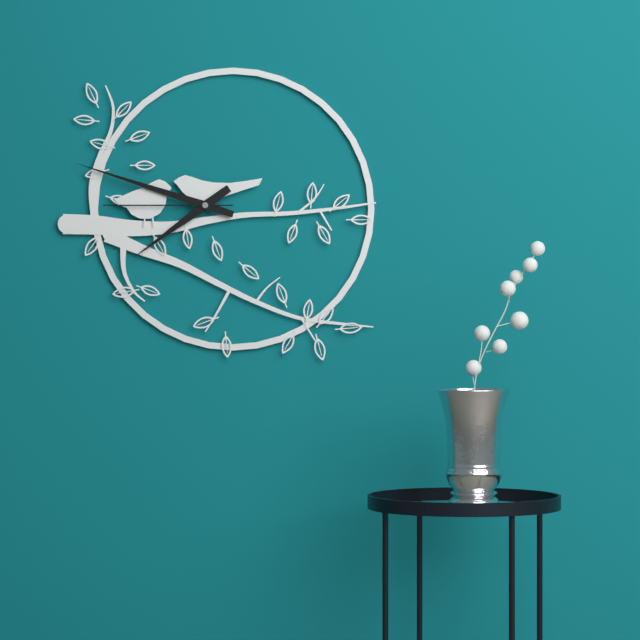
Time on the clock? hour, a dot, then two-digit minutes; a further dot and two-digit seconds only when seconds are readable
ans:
7.48.45
